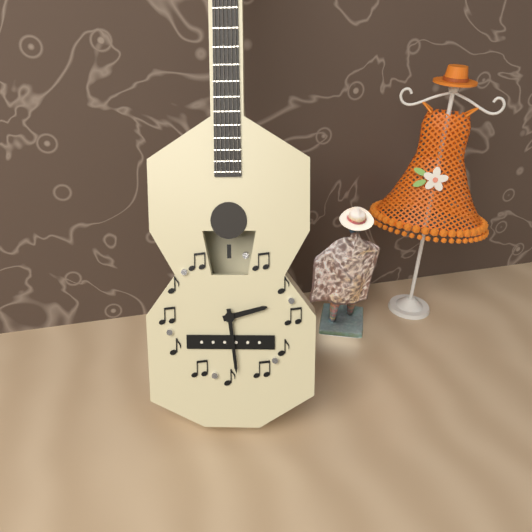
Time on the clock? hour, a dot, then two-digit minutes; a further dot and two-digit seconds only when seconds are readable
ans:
2.29
